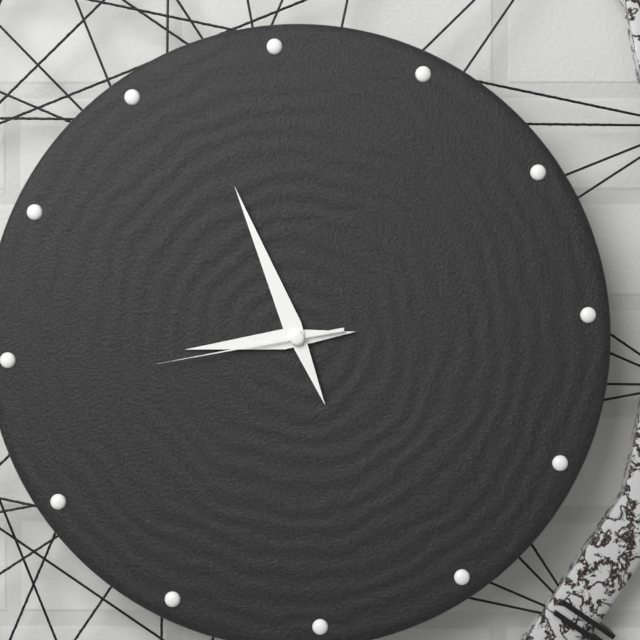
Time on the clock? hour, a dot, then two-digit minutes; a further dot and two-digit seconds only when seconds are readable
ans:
8.57.44
